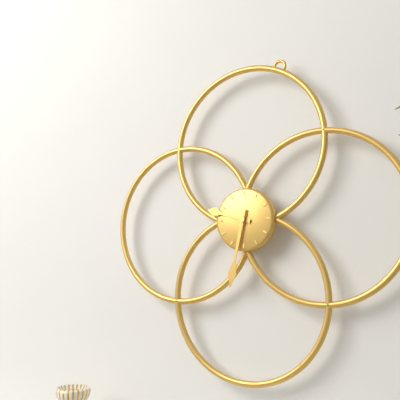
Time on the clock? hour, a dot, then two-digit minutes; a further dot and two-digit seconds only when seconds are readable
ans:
9.32
